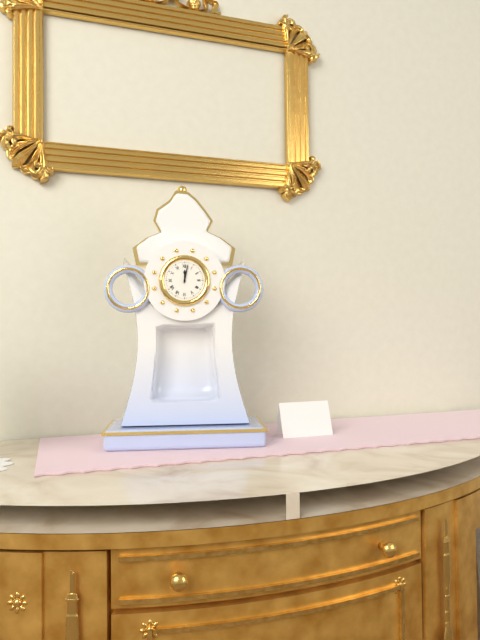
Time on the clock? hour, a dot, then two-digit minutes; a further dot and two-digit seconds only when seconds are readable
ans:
12.02
